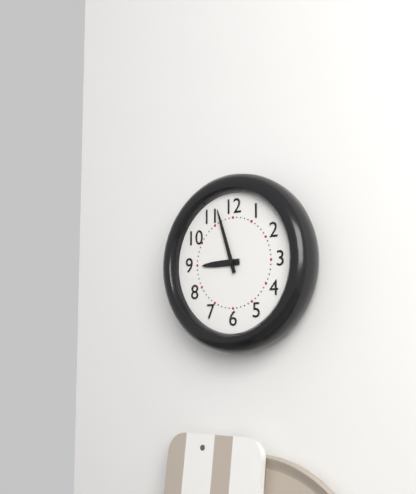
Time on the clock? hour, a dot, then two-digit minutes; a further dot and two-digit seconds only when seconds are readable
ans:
8.57
